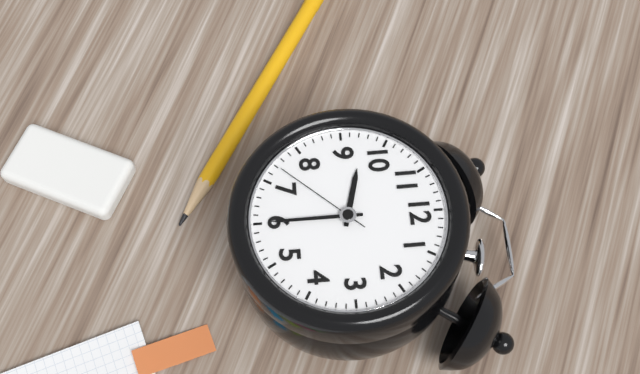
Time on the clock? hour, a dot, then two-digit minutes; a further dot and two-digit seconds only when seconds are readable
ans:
9.30.37
